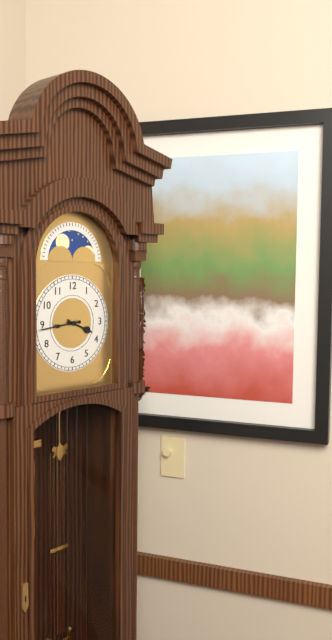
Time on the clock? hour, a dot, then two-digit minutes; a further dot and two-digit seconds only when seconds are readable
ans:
3.44
